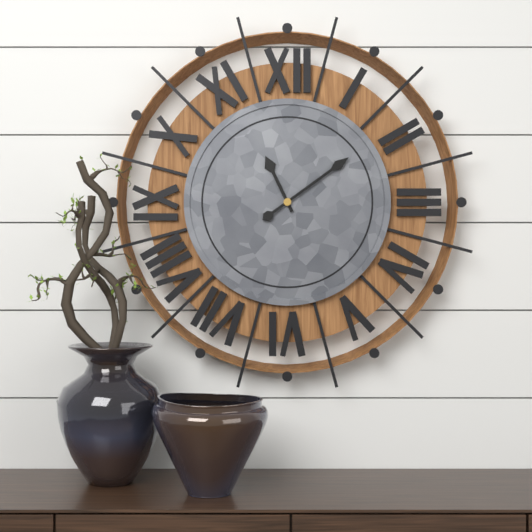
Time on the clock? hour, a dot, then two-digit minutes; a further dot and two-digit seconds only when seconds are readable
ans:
11.09
